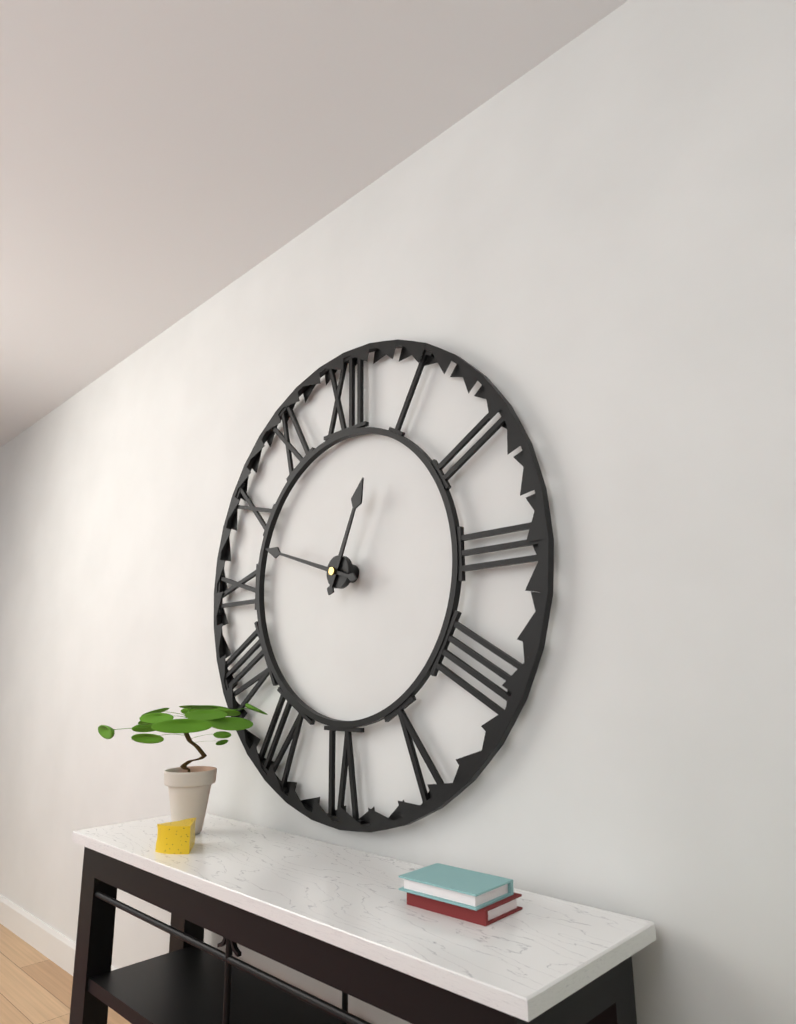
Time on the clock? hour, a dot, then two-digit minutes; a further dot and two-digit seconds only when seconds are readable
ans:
12.48
